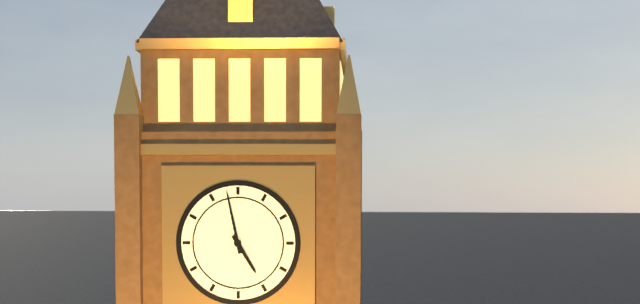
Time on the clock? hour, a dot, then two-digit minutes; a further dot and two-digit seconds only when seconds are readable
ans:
4.58
